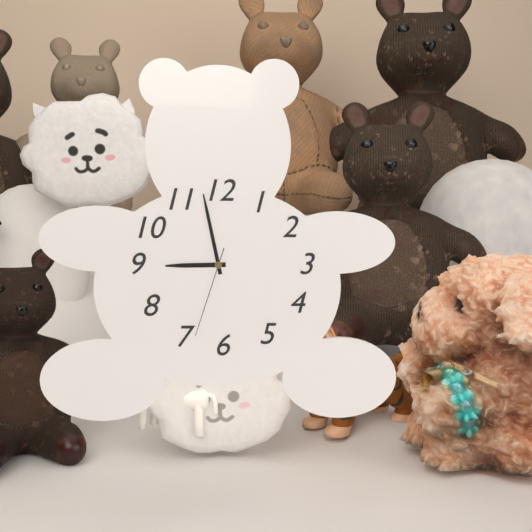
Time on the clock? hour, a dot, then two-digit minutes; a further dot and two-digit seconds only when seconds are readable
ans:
8.58.33
